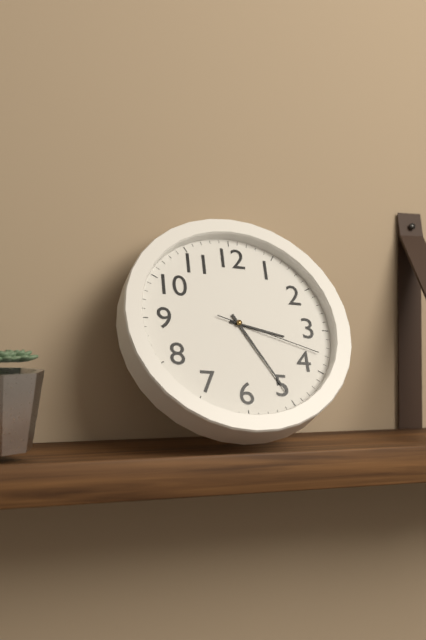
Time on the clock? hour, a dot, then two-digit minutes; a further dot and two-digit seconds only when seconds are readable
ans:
3.25.18
